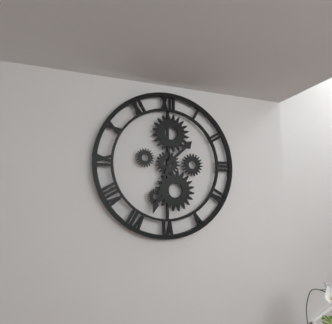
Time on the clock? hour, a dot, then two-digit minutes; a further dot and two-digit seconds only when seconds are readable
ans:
1.33
